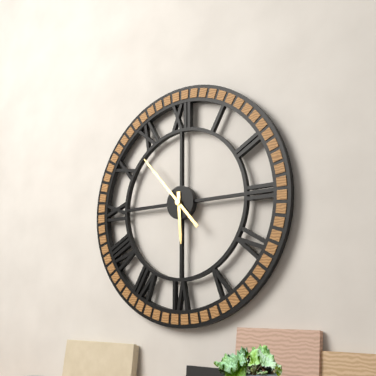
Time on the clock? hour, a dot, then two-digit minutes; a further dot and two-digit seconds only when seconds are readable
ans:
5.53
